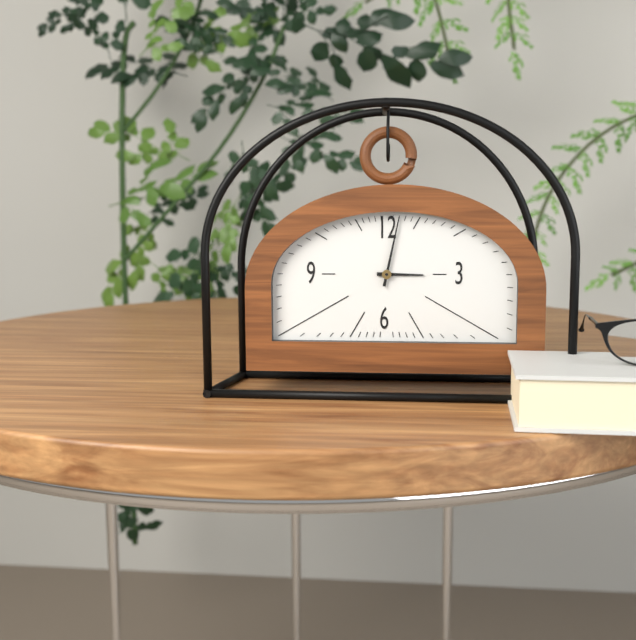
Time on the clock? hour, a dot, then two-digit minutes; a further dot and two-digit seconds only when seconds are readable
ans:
3.02
